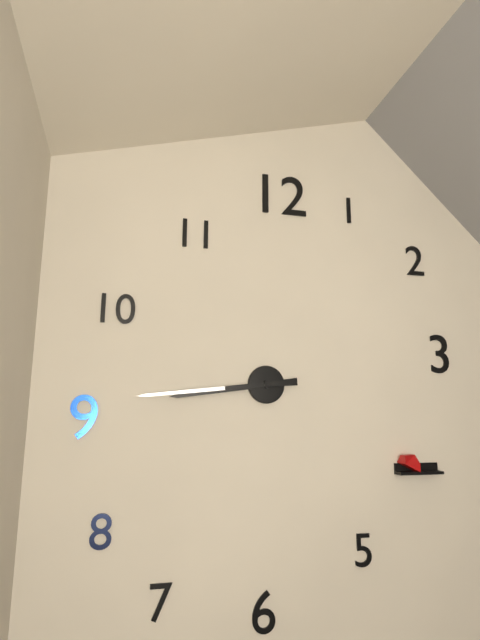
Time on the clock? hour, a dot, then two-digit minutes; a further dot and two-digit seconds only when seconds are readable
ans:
8.44
